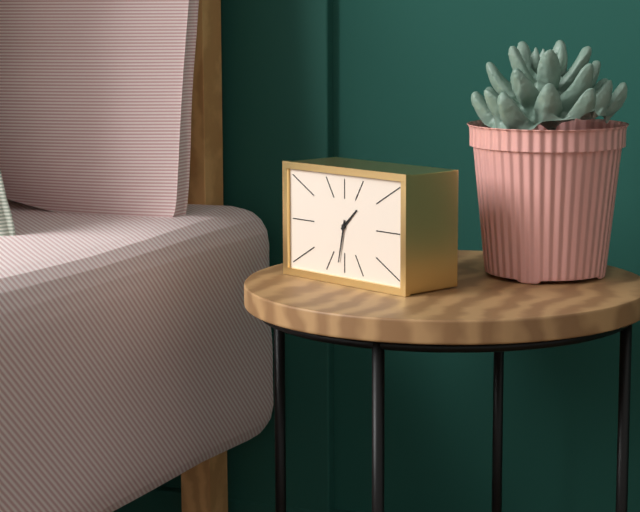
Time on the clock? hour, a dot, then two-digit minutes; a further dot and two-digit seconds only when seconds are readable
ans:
1.32
